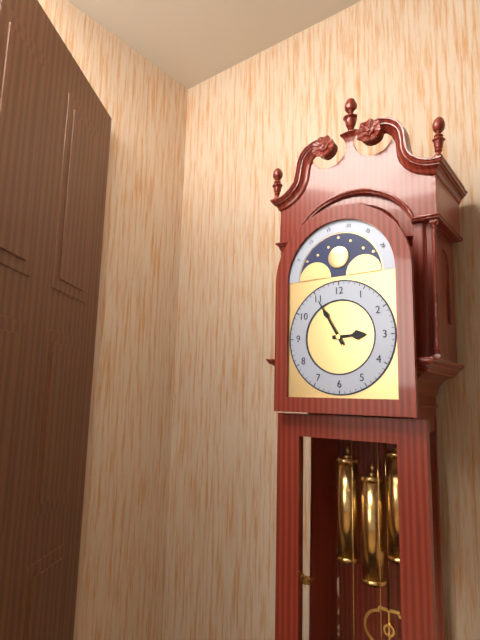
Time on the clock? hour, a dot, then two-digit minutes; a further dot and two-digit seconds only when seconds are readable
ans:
2.55
